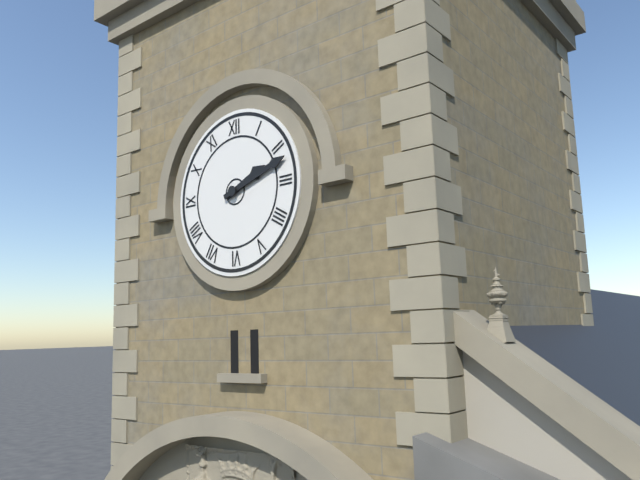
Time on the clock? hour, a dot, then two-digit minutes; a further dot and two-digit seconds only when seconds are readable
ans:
2.12
